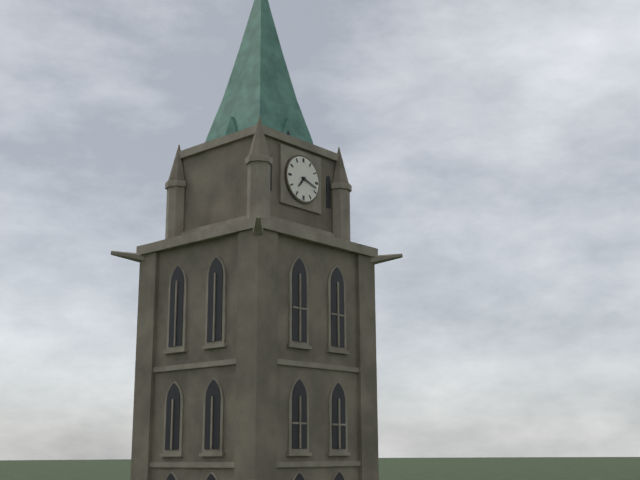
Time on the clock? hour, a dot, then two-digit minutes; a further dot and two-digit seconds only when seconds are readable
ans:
7.18
